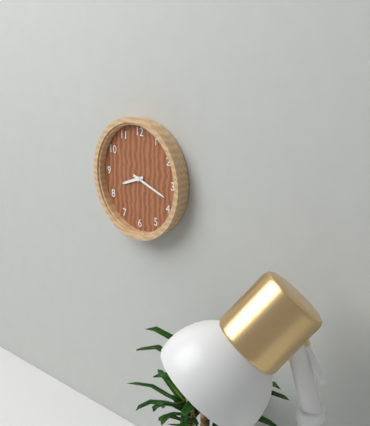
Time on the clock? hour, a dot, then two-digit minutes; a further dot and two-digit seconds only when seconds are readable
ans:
8.18
